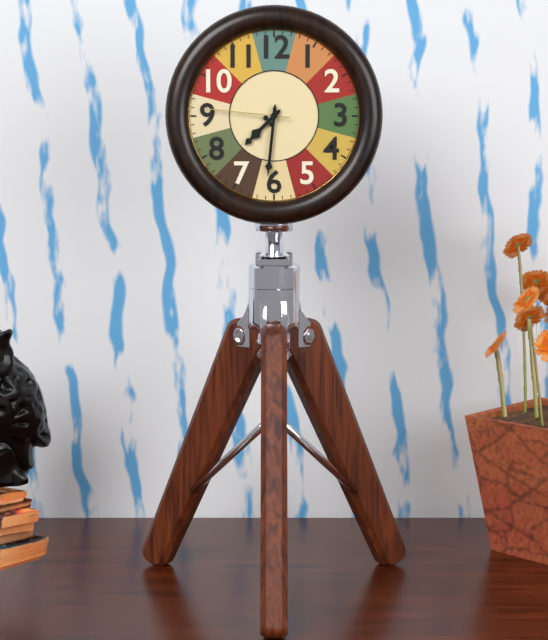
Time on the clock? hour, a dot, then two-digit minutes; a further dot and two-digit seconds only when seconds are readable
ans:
7.31.46
